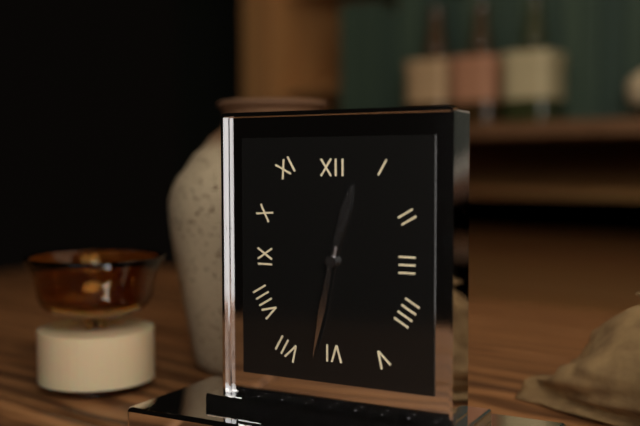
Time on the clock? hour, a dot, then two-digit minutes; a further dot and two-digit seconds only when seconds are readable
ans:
12.32
